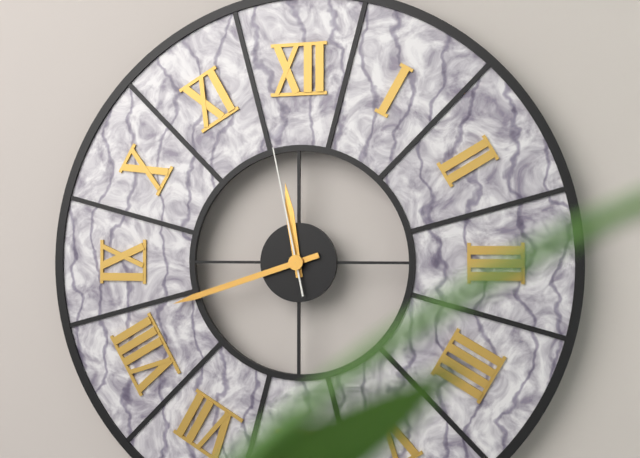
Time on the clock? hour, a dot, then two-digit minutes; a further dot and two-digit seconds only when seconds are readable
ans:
11.42.58
